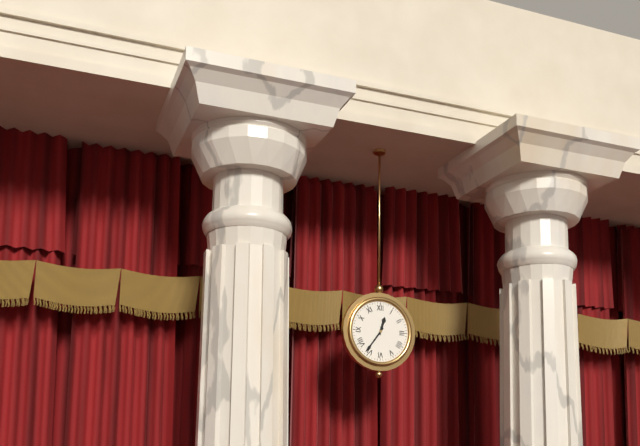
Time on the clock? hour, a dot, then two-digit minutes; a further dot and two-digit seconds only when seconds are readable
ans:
12.36
